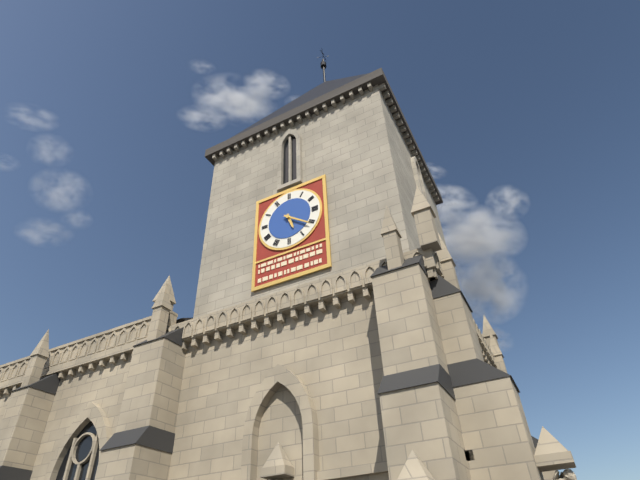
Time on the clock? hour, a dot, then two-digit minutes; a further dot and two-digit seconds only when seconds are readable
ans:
5.21
